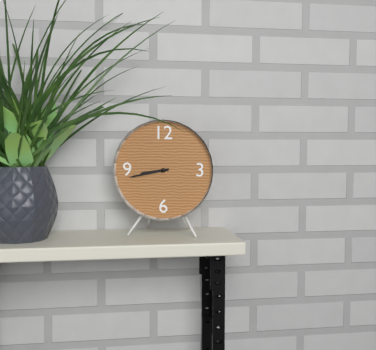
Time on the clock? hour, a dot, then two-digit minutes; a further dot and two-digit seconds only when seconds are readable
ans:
8.43
